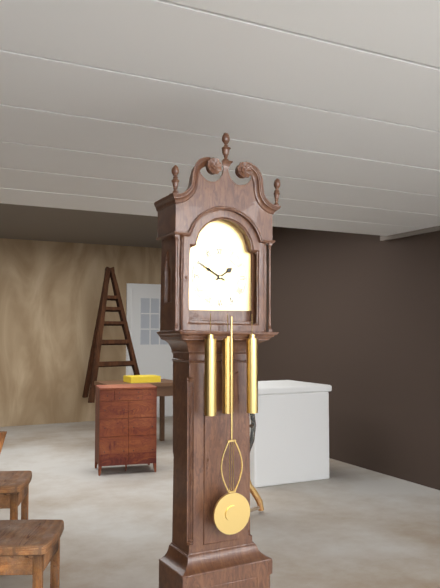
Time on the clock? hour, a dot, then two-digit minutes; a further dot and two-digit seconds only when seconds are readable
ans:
1.50
